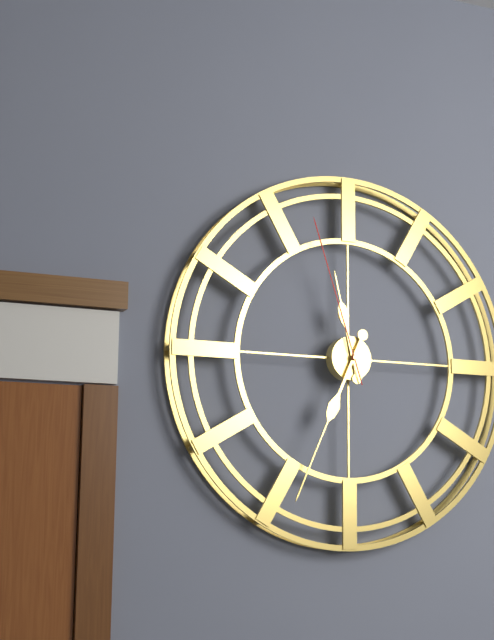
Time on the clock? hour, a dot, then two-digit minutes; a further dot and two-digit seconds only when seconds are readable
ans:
11.34.57
